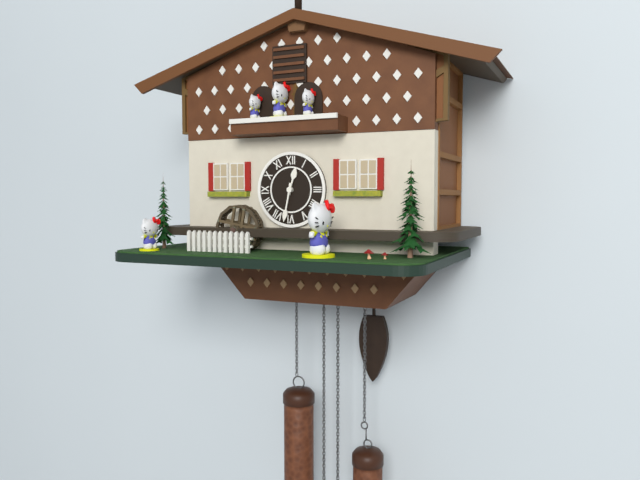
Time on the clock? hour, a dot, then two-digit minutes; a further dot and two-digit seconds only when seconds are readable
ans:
12.32
